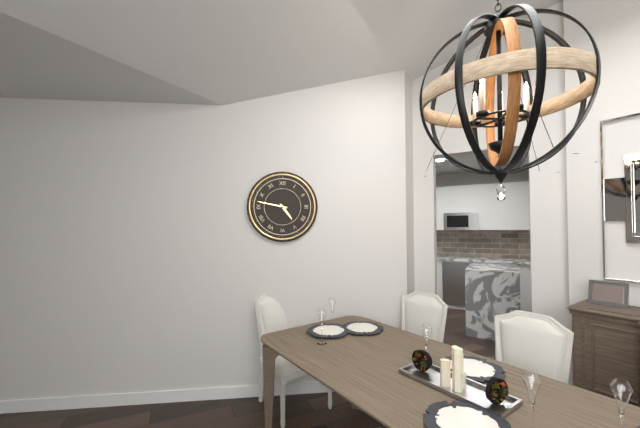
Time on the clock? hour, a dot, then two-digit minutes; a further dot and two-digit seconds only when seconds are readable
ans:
4.47
